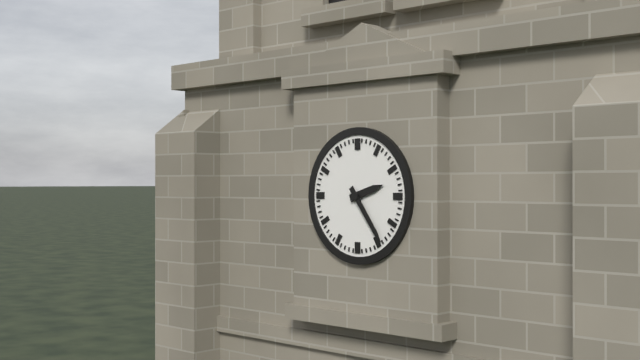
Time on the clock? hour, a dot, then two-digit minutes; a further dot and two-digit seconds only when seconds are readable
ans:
2.24
